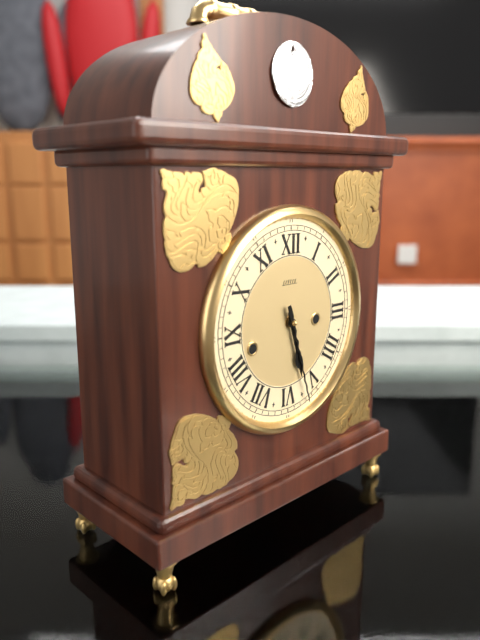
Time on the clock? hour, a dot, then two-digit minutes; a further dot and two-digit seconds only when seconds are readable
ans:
5.27
